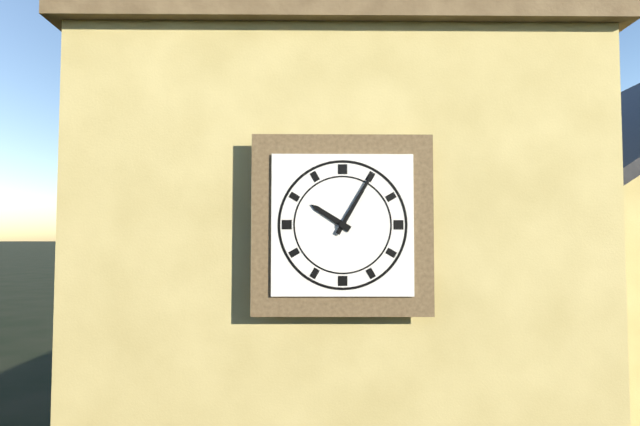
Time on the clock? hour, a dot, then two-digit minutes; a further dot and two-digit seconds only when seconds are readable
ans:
10.05
